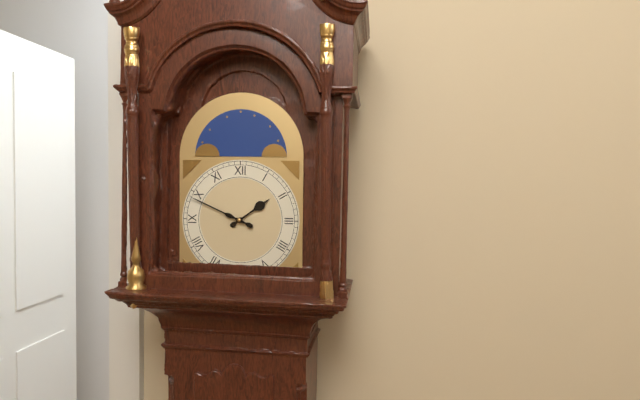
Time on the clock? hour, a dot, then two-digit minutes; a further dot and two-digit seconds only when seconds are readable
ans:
1.49
